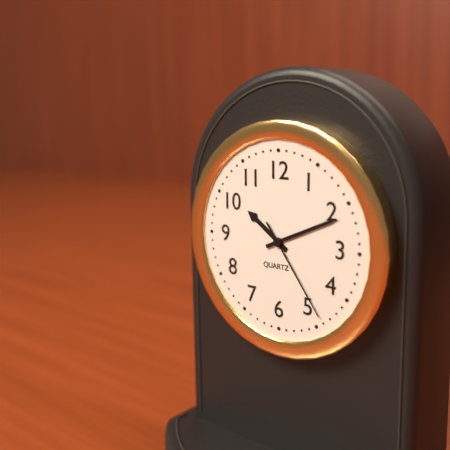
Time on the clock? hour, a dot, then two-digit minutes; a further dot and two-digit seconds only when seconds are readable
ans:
10.11.24
